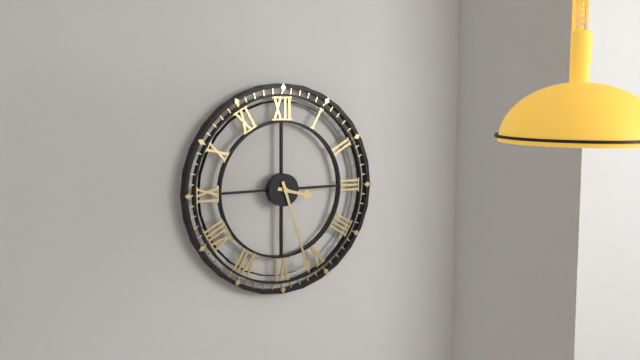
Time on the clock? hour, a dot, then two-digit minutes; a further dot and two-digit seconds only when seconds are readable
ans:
3.27
